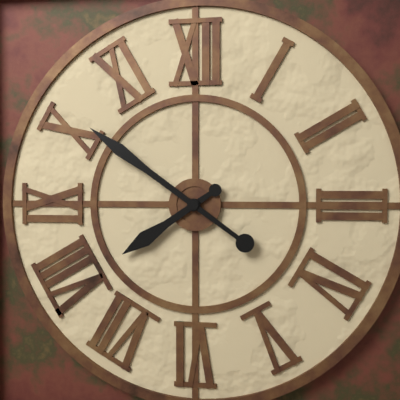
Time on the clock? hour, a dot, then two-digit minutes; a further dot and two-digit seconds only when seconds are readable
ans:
7.51
